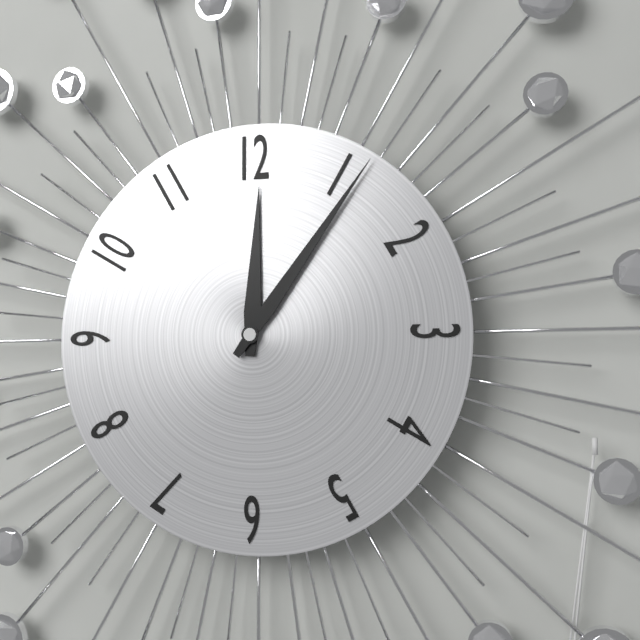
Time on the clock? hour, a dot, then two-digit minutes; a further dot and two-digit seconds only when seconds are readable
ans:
12.06
